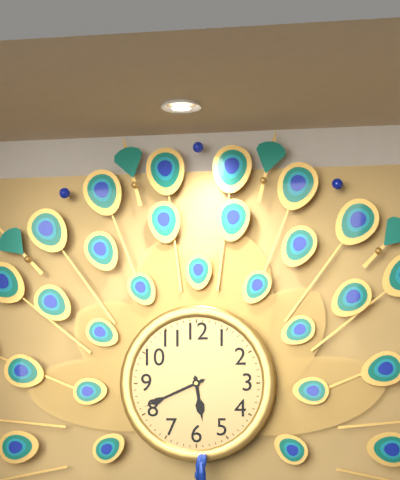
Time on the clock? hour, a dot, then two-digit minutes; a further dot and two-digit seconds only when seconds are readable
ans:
5.41
